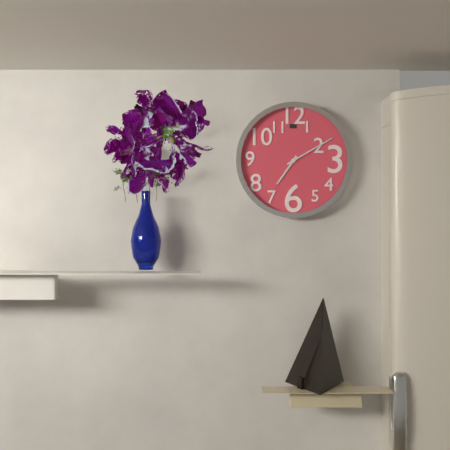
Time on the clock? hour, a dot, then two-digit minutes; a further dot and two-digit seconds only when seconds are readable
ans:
7.10
